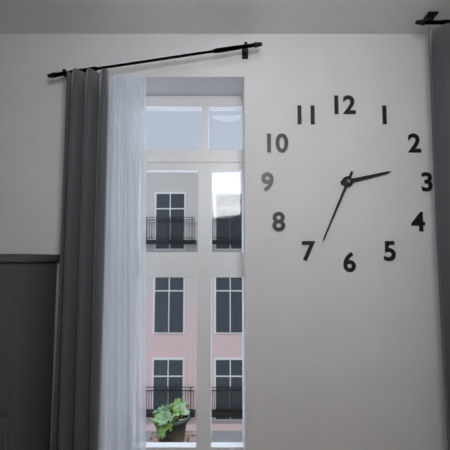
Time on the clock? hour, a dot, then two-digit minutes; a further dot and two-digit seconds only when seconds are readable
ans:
2.34
